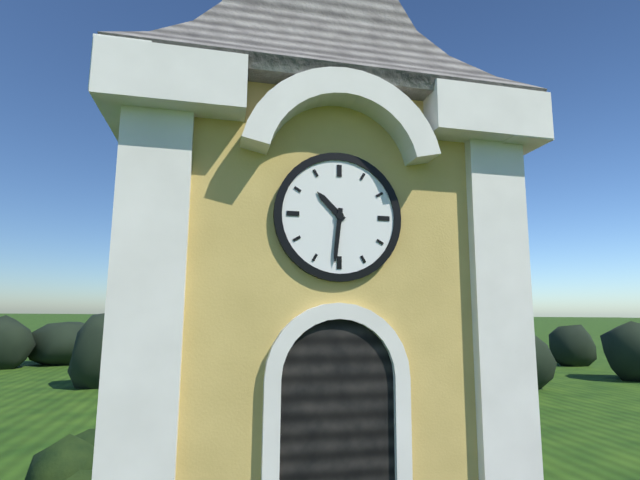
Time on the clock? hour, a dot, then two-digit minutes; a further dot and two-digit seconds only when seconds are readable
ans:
10.31
